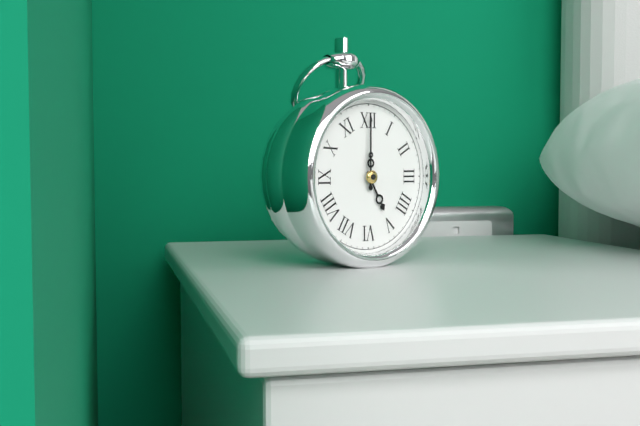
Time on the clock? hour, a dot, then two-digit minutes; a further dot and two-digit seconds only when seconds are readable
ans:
5.00
